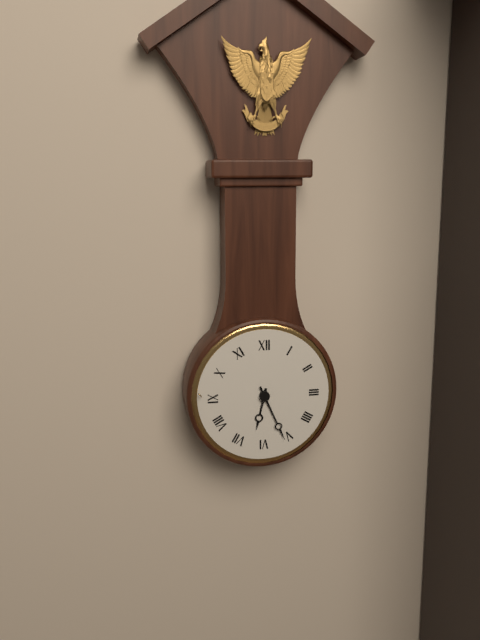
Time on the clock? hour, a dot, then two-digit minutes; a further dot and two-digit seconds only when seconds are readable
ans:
6.26
